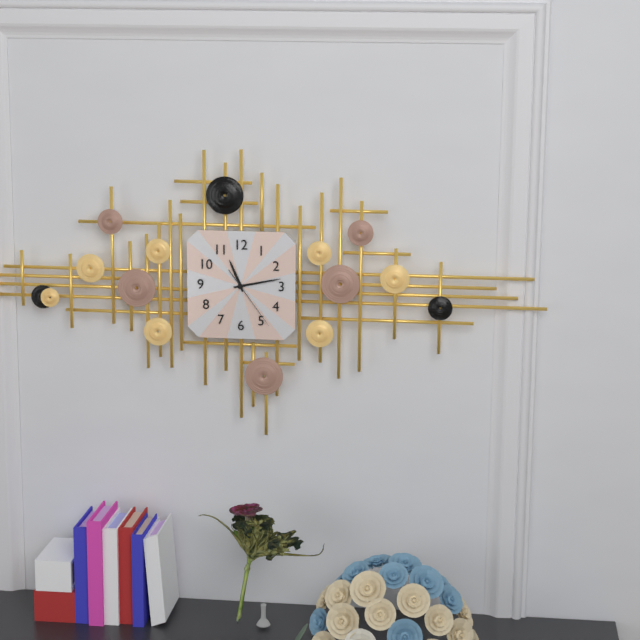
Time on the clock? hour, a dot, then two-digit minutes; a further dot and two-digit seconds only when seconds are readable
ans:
11.13.24
